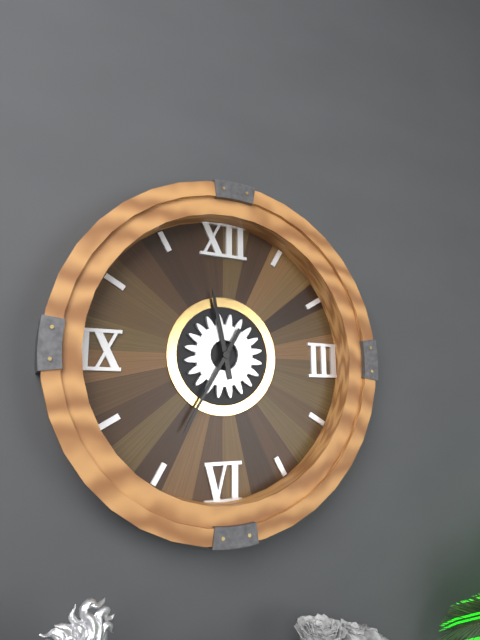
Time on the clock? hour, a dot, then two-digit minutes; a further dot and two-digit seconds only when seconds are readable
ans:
11.35
